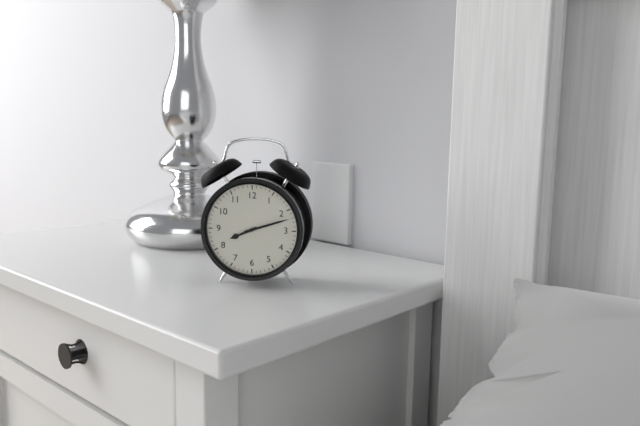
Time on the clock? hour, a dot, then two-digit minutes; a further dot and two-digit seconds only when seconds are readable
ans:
8.12
